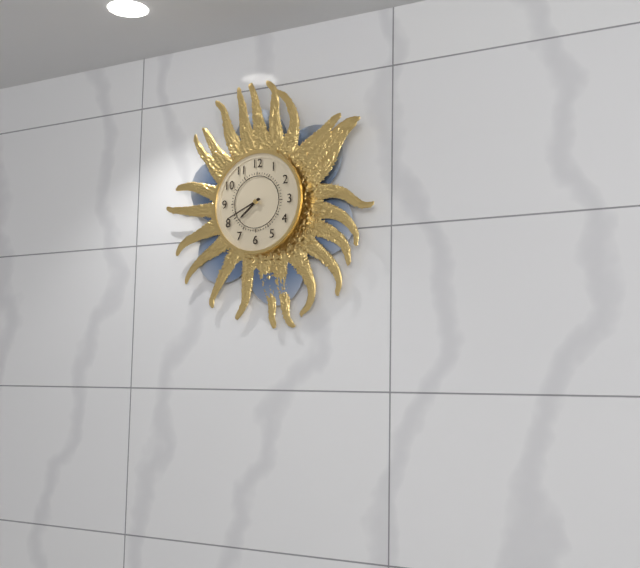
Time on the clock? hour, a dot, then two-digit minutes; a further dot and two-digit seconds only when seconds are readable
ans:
7.41
